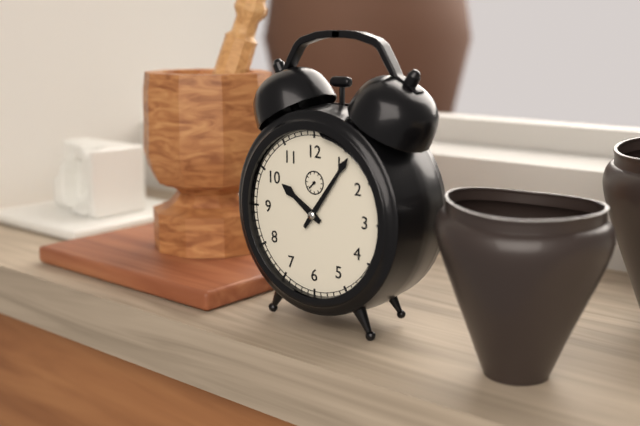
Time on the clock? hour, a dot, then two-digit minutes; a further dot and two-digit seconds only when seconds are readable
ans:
10.06
